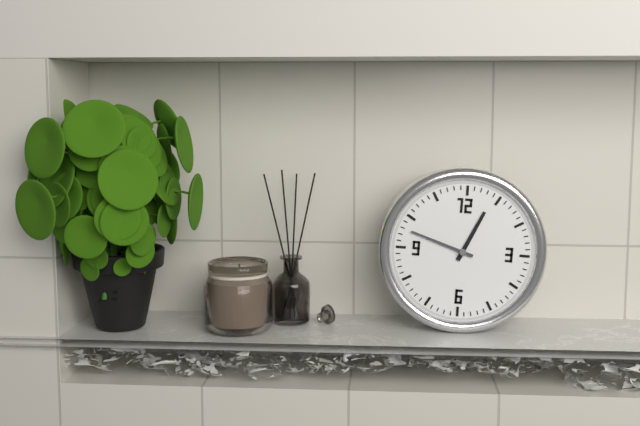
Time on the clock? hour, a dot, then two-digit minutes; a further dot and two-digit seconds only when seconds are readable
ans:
12.48
